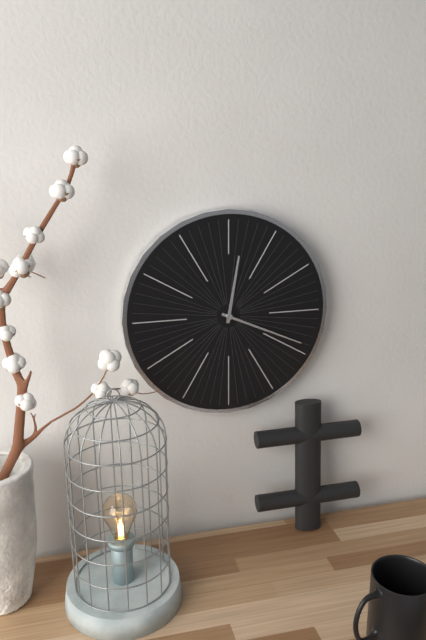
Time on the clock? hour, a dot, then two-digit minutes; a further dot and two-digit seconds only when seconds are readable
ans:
12.19
